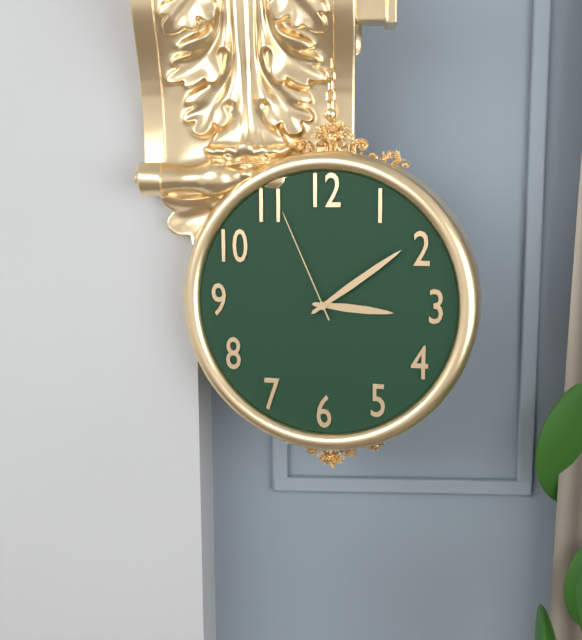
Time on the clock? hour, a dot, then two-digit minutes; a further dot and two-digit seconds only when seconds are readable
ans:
3.09.56
